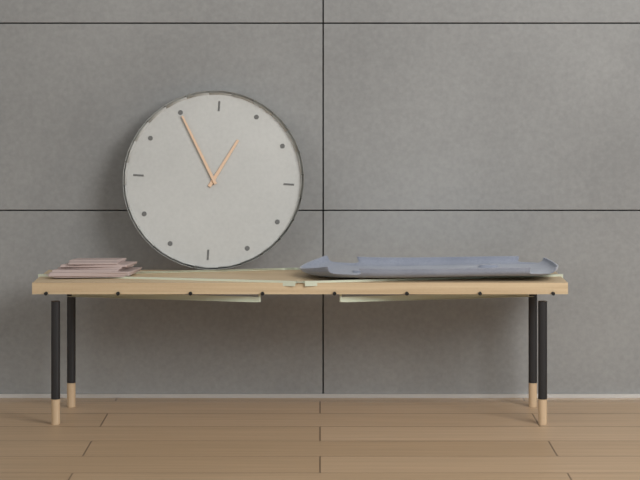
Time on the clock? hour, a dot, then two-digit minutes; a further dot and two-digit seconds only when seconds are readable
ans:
12.55
